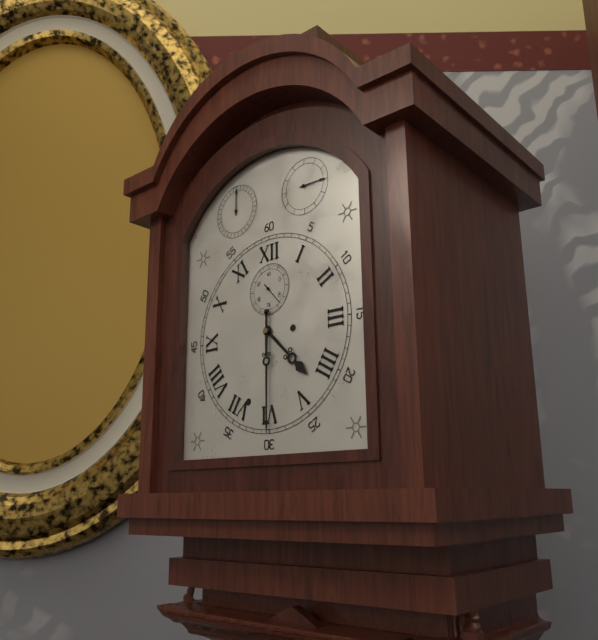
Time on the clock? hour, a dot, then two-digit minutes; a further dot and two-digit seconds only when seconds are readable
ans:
4.30
